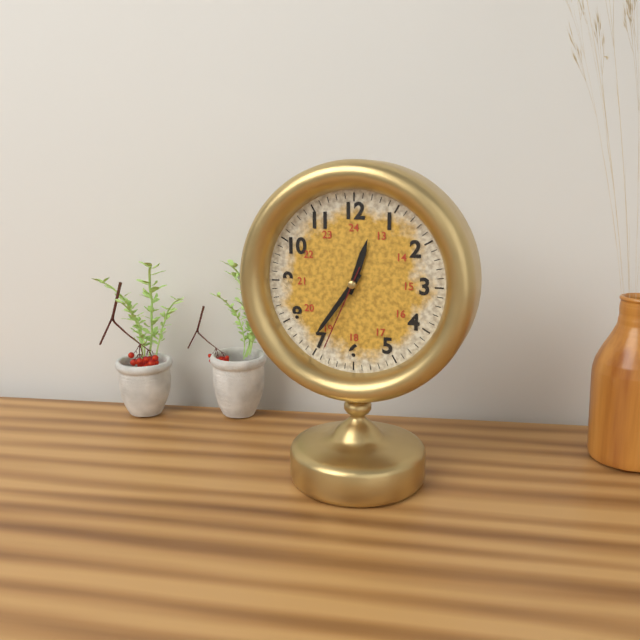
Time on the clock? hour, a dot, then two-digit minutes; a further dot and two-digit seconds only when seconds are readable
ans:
12.36.34
